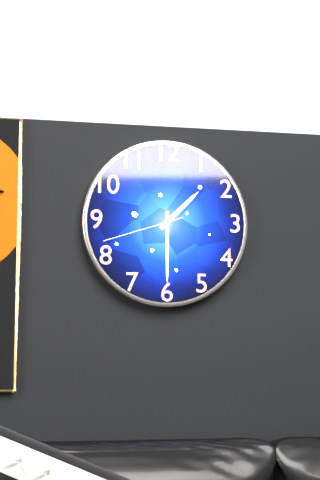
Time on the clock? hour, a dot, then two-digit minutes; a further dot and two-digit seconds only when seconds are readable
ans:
1.30.42
